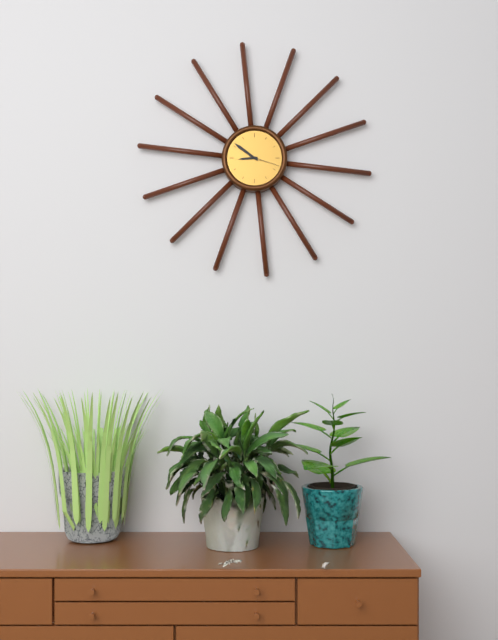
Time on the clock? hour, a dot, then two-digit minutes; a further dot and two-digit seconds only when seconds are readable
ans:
8.51
